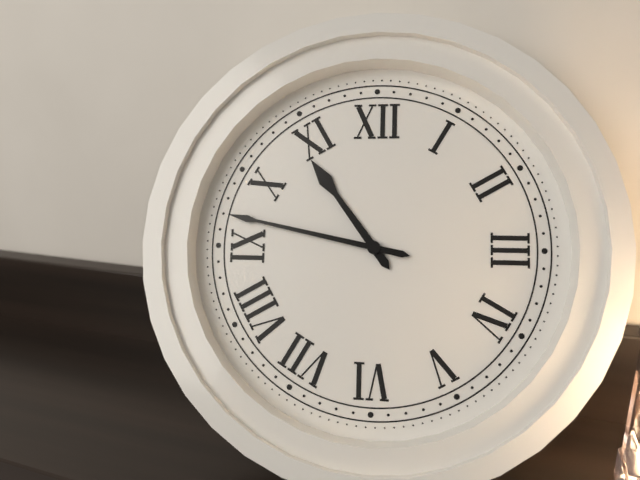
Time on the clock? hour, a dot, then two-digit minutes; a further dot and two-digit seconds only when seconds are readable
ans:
10.47
